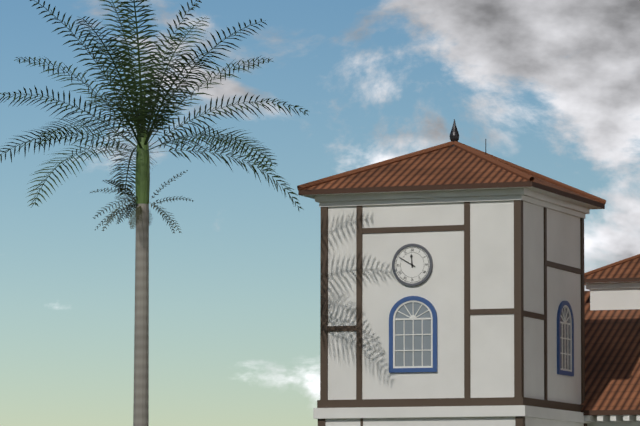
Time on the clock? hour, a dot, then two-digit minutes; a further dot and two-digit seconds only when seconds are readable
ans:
11.50
